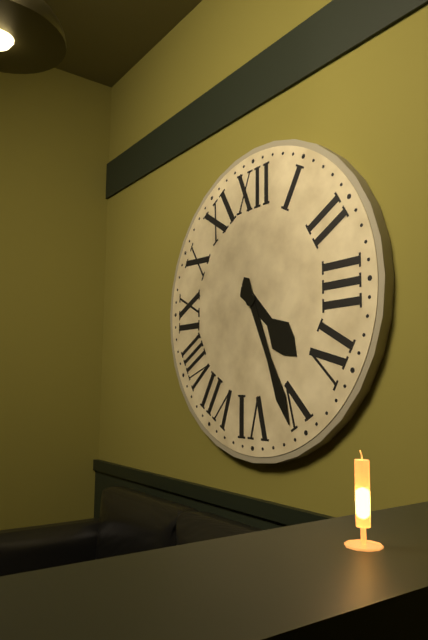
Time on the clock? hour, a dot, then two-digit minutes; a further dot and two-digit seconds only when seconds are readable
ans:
4.26
